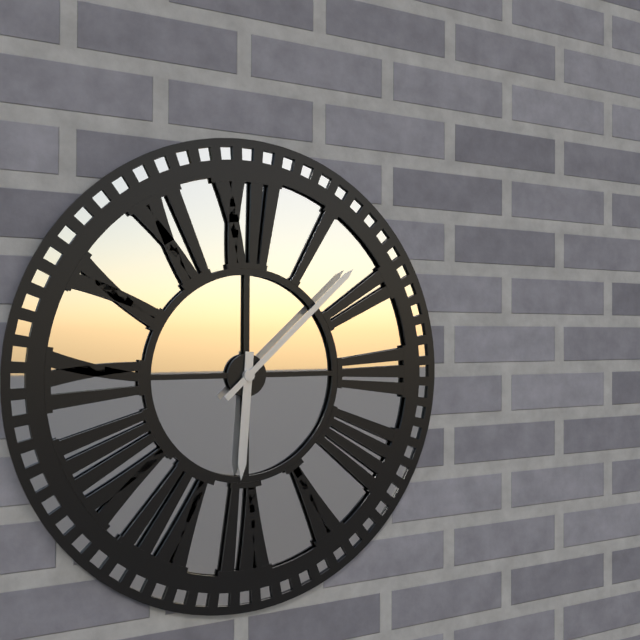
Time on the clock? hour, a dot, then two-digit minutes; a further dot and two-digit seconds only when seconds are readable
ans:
6.08
